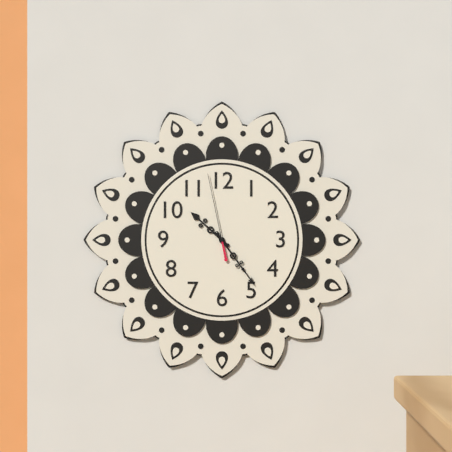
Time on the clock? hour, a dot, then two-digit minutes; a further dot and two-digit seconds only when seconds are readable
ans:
10.24.58
